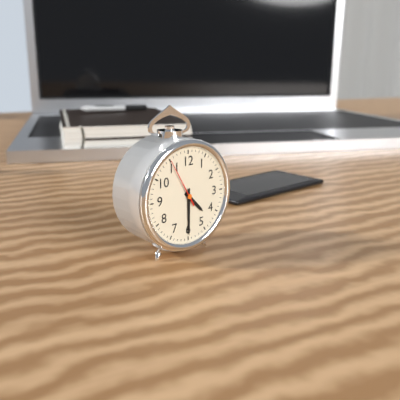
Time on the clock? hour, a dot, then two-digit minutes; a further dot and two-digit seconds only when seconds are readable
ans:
4.30
